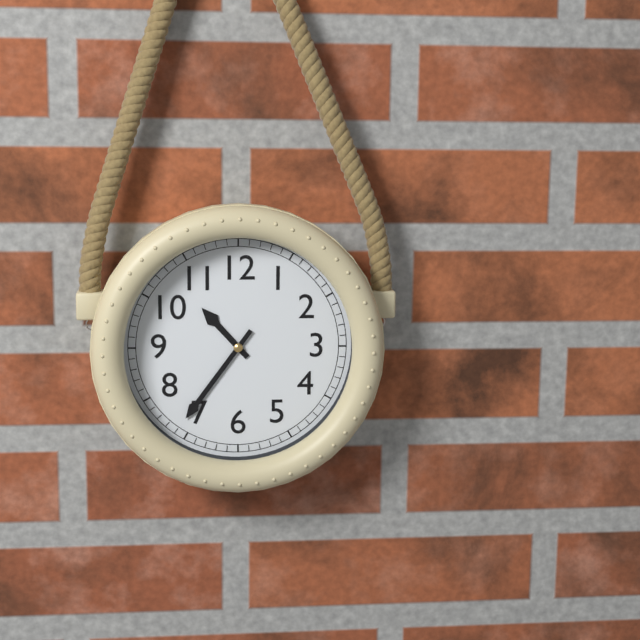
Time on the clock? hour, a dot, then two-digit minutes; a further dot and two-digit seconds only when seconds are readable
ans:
10.36
